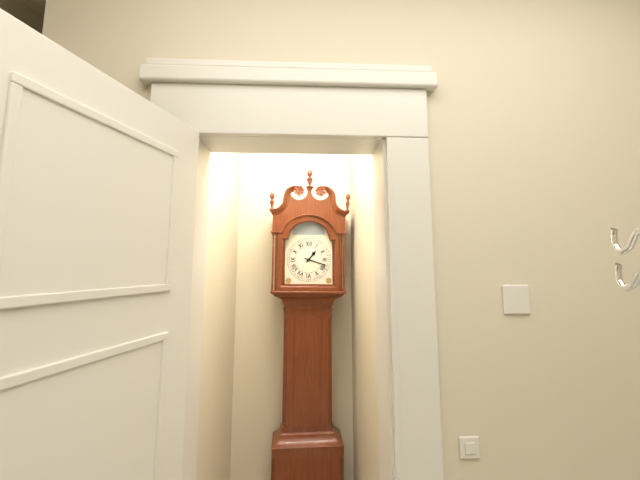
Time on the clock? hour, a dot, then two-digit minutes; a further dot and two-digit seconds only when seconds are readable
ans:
1.18
